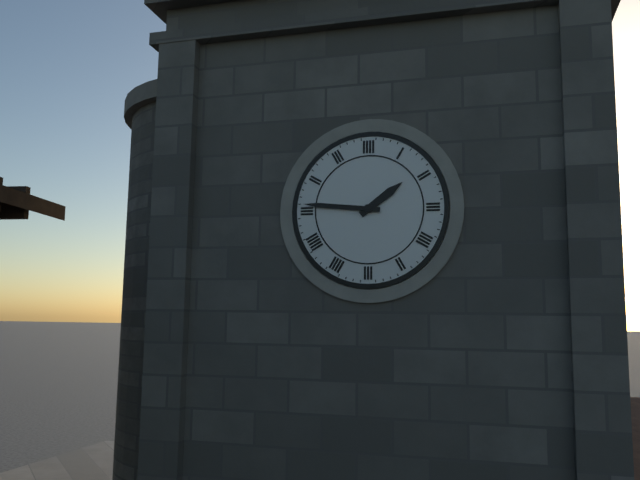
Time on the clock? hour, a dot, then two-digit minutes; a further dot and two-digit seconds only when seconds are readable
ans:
1.46
